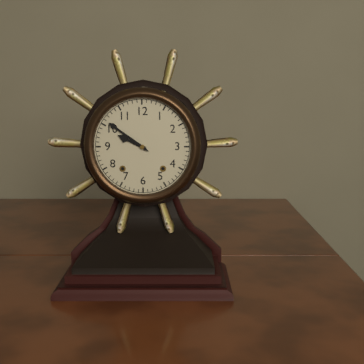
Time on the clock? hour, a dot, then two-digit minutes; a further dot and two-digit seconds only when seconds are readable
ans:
9.51
